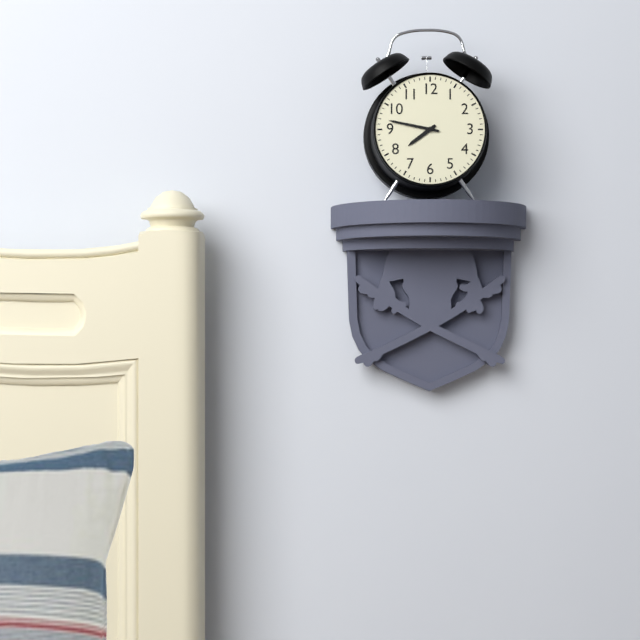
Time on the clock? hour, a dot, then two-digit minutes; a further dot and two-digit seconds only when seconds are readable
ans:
7.47
